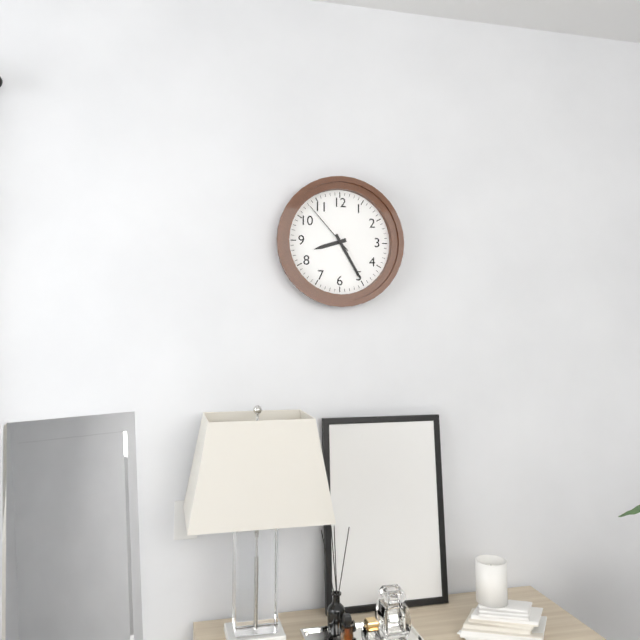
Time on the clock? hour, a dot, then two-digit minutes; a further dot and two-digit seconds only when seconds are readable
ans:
8.25.53
